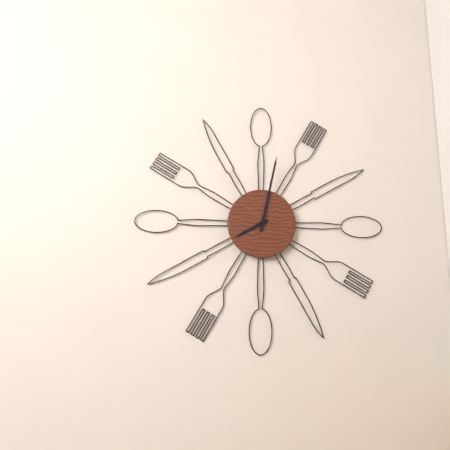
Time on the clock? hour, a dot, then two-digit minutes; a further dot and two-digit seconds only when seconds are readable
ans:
8.02
